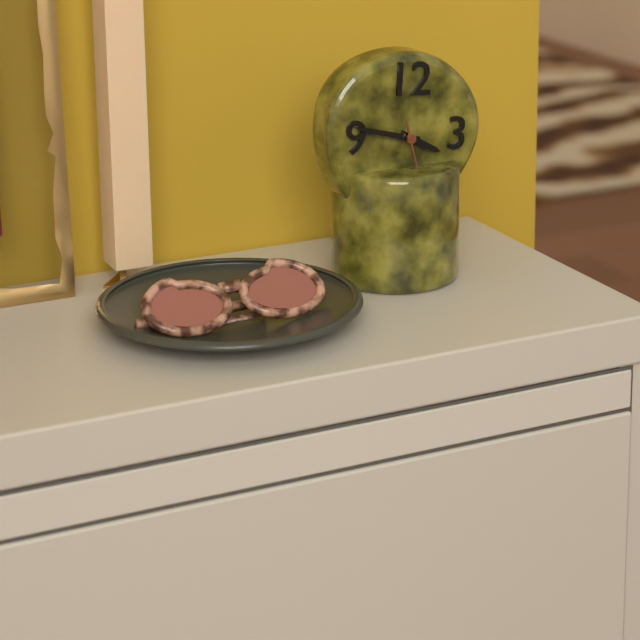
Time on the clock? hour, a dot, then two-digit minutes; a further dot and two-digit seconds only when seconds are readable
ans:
3.47
